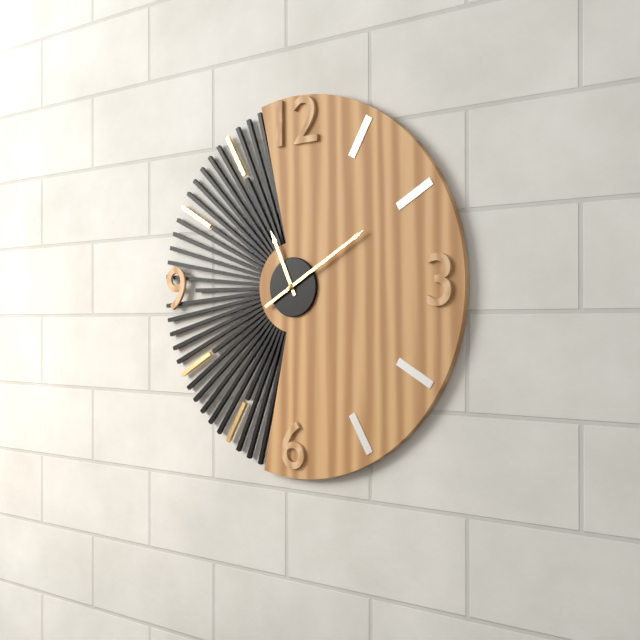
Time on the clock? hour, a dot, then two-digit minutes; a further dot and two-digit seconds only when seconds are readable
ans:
11.10
